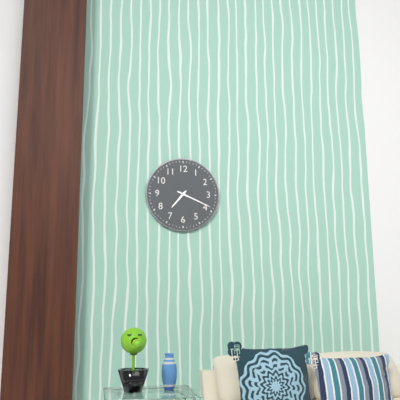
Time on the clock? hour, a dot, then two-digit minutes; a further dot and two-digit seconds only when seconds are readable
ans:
7.19
